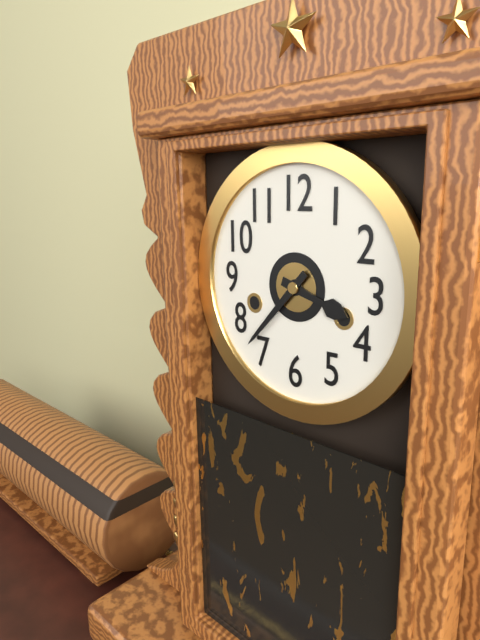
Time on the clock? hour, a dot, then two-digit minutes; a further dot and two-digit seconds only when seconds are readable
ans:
3.37
